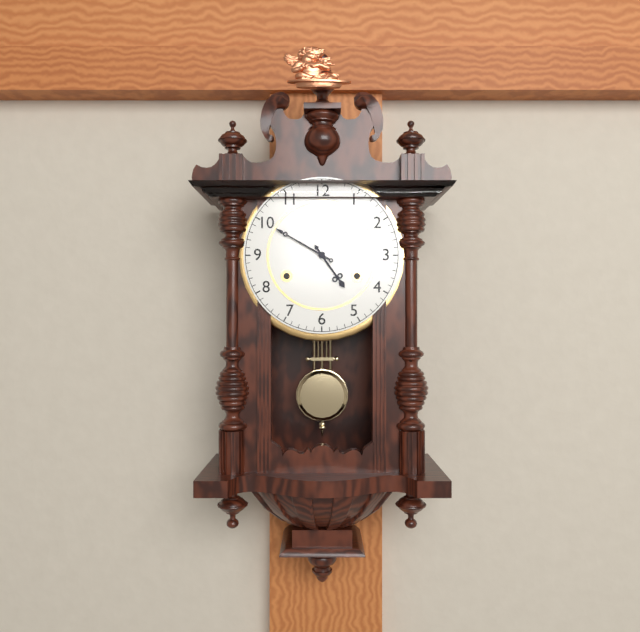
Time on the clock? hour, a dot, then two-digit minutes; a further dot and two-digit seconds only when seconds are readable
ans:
4.50
